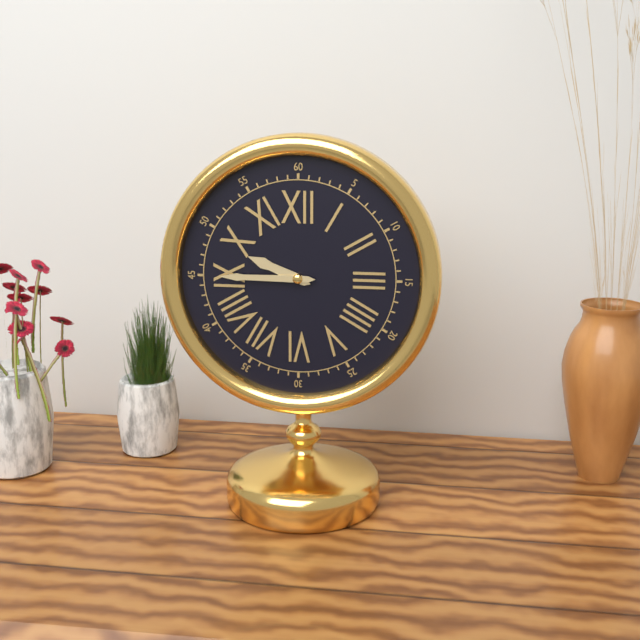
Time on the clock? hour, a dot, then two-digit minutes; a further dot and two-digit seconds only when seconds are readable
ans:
9.45
